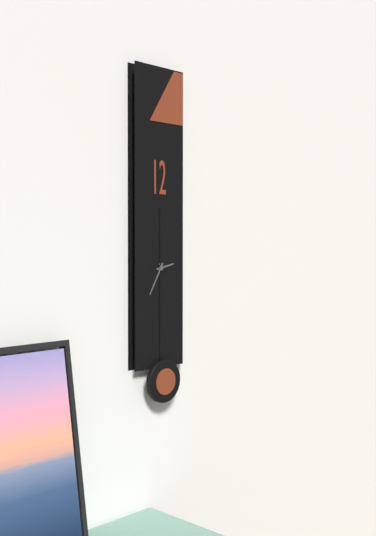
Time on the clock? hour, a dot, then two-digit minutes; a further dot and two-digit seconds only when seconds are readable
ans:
2.35
